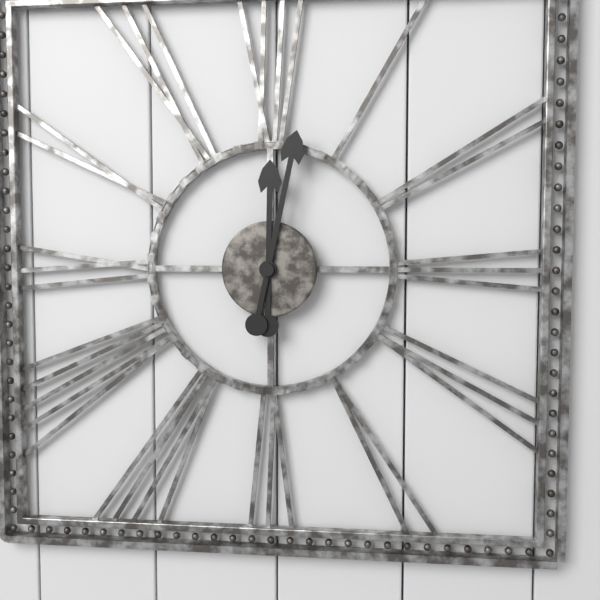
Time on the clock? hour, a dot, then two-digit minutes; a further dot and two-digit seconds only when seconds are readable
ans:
12.02
